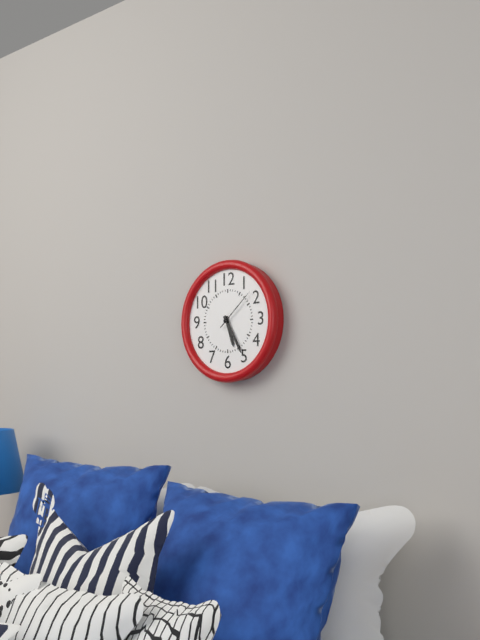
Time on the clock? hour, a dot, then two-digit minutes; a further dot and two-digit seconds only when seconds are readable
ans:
5.25
